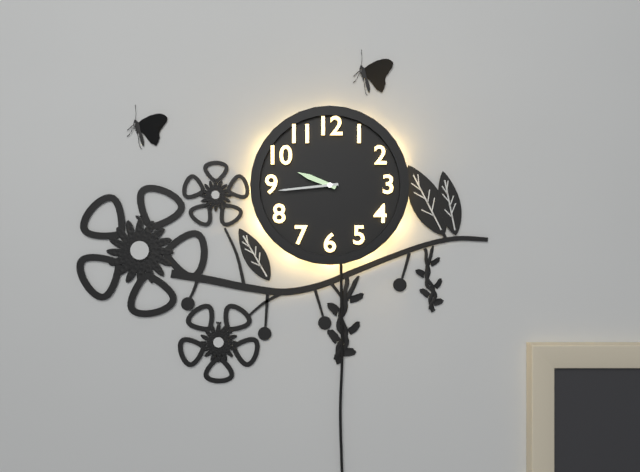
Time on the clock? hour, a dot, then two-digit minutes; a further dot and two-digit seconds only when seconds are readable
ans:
9.44
